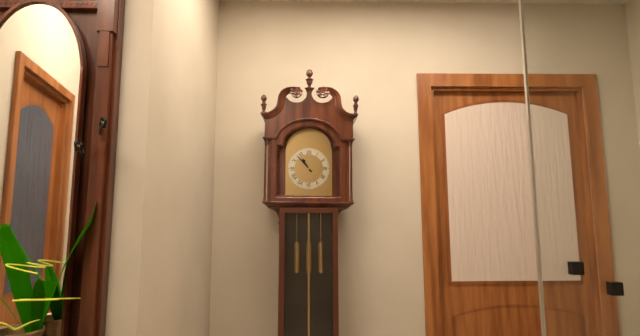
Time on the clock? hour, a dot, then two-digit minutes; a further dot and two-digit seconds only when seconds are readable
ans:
10.53
